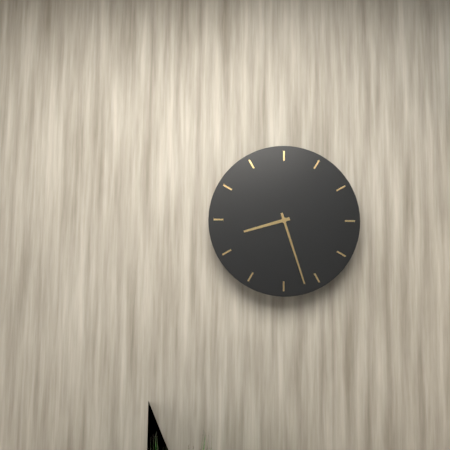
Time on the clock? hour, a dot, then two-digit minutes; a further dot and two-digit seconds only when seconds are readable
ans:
8.27
